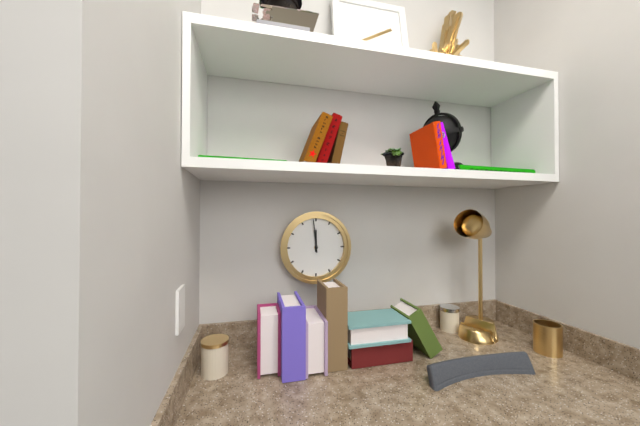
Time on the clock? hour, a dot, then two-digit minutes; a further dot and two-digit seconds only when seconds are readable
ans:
11.59
